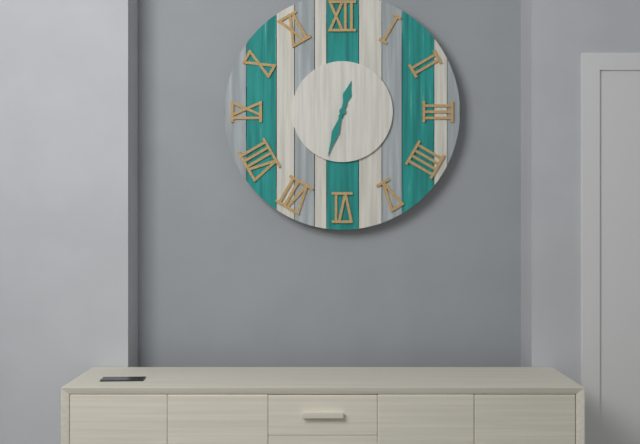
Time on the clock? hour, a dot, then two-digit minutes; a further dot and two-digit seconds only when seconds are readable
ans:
12.33
